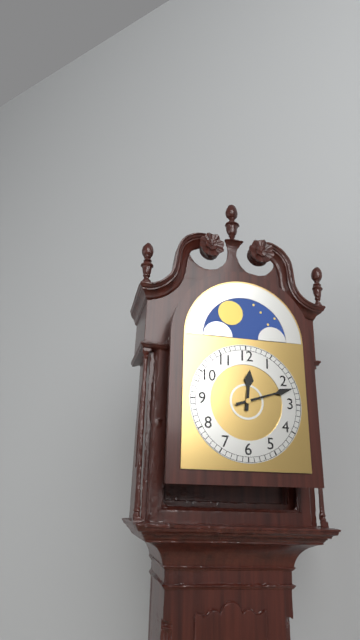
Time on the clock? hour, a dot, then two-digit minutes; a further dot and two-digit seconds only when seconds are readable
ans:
12.12
